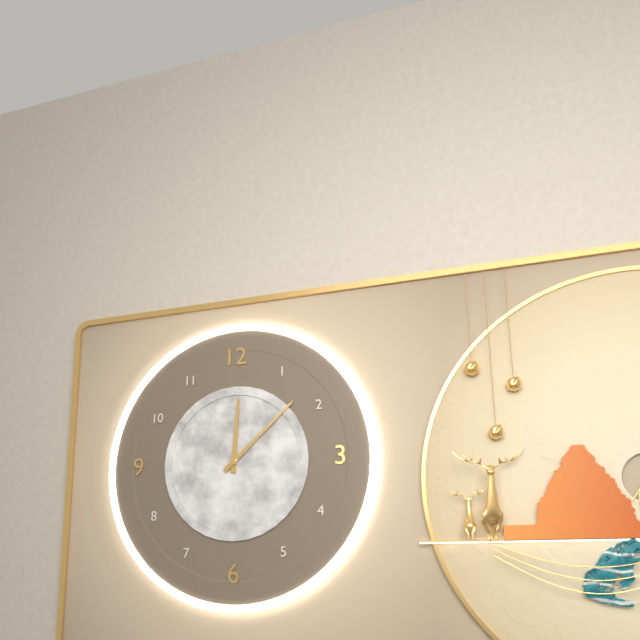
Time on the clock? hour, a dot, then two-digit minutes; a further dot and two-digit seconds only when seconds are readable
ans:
12.08
